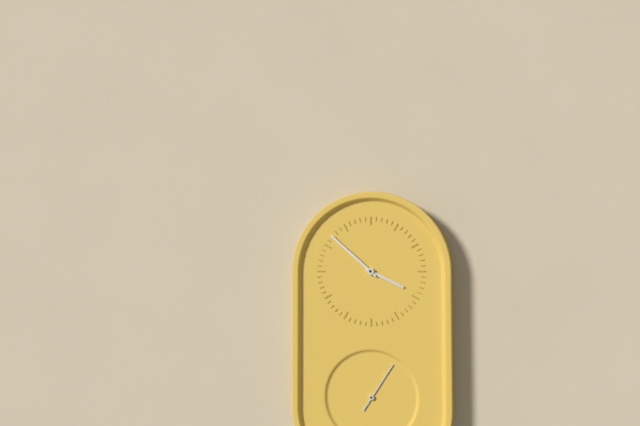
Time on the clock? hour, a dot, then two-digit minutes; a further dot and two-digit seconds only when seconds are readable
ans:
3.52
